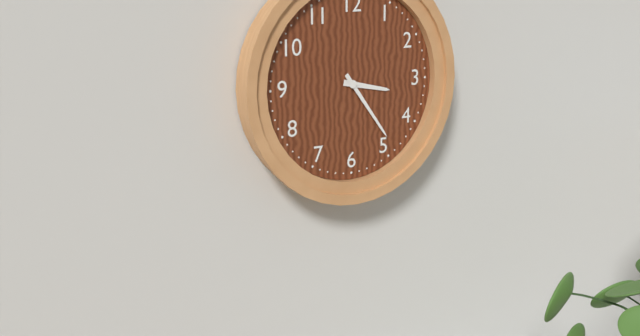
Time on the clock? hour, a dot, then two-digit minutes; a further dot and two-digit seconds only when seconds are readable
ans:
3.24
